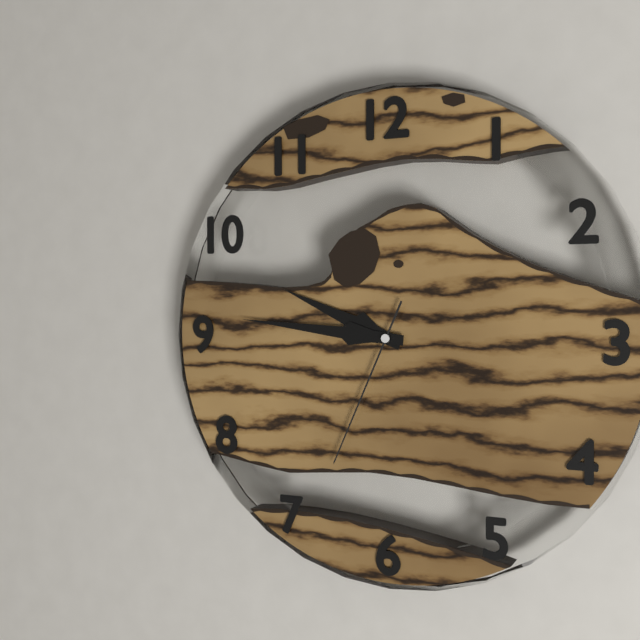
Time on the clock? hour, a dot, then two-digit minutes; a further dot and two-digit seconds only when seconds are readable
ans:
9.46.34
